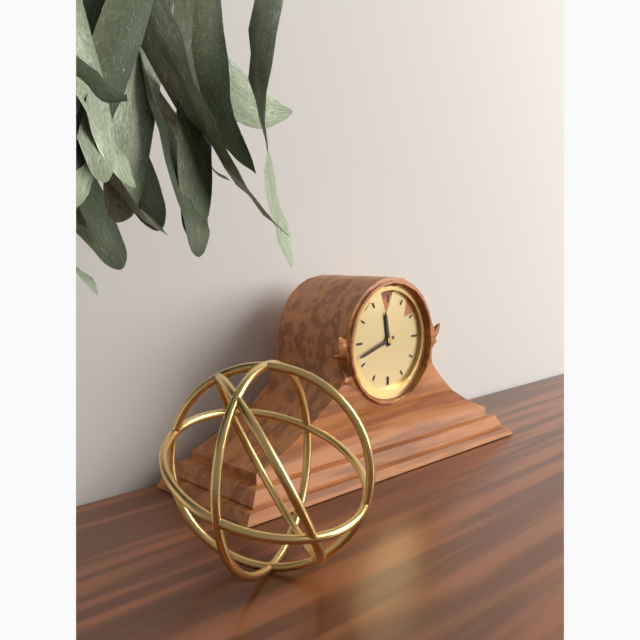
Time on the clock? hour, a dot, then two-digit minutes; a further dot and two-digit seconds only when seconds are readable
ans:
11.42
